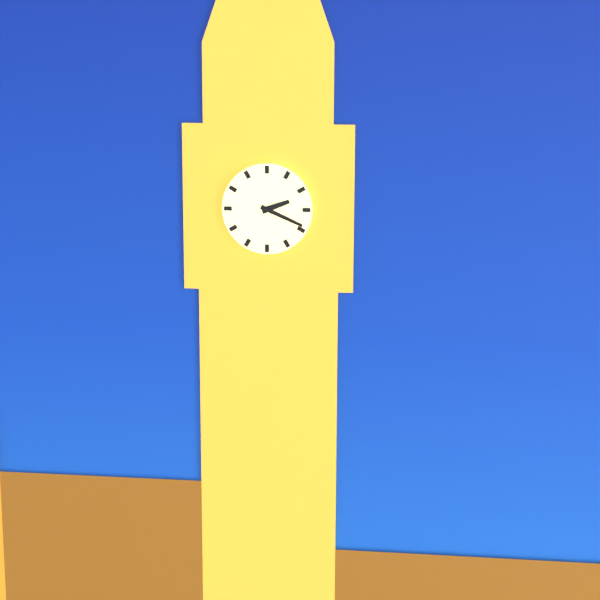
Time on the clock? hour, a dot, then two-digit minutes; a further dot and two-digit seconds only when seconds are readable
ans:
2.19
